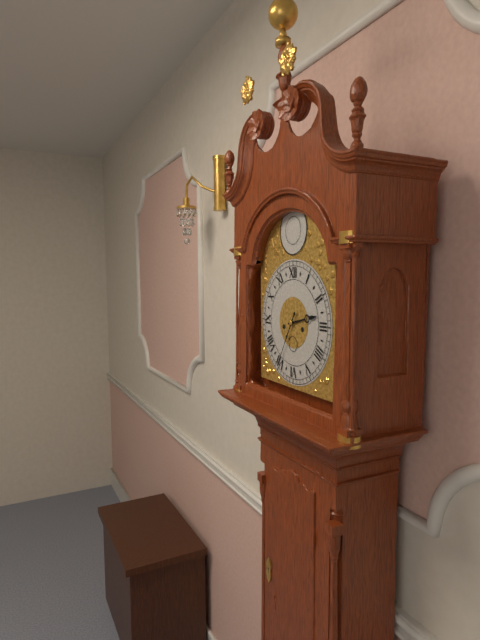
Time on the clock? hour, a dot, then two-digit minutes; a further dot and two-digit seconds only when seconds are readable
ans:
2.35
